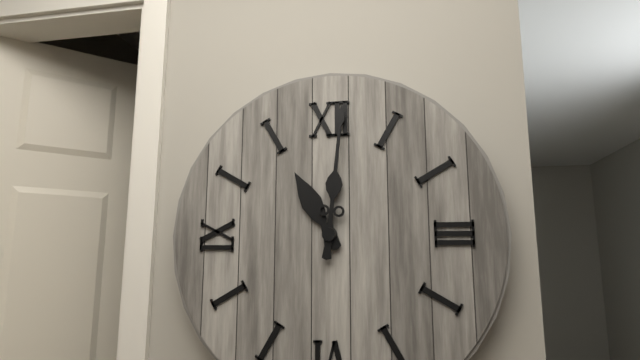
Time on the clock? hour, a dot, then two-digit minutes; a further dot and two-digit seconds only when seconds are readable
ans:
11.01
